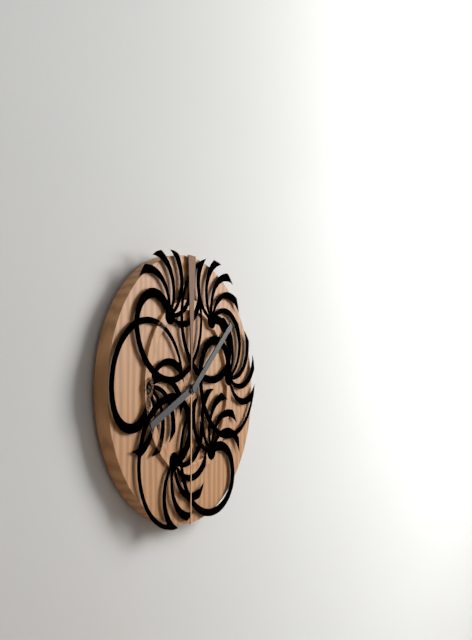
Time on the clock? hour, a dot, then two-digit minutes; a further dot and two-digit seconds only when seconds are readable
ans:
8.08
